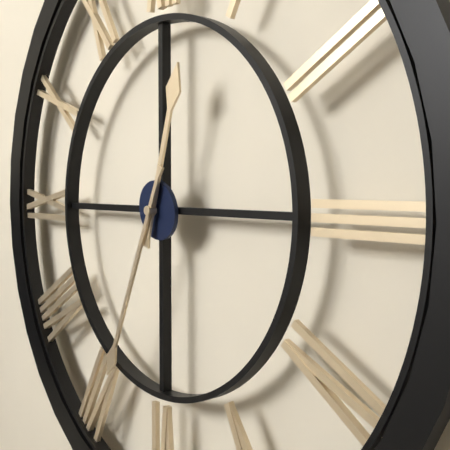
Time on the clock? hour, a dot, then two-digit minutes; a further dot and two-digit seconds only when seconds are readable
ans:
12.34
